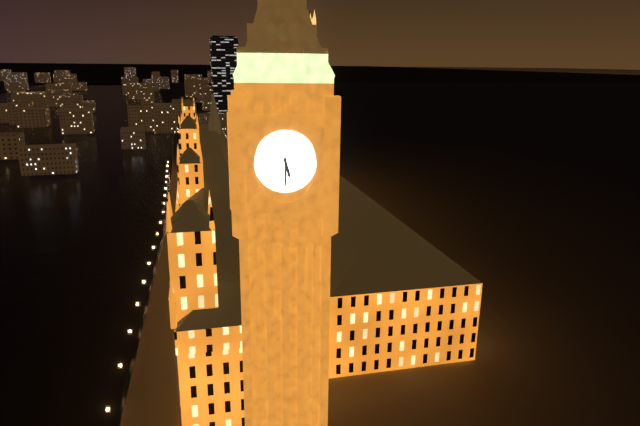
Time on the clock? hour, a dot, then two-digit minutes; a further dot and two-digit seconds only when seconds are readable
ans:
5.30
